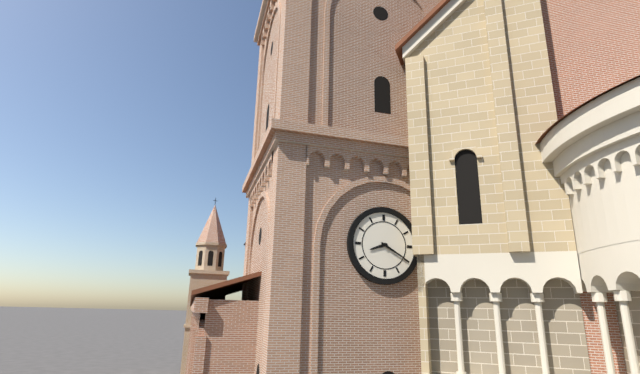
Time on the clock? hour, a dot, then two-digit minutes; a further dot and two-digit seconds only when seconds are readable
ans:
8.20
